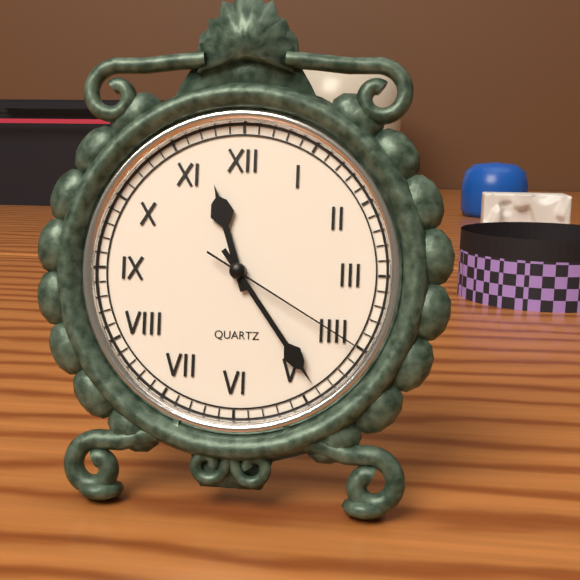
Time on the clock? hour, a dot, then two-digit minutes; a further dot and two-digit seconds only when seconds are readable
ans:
11.24.20
